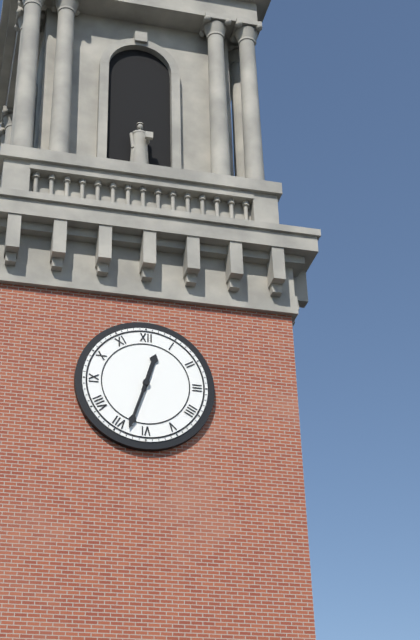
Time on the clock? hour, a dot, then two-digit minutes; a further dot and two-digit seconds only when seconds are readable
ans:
12.33
